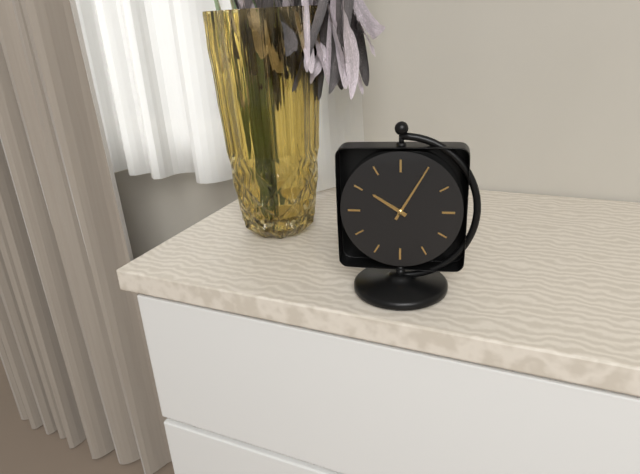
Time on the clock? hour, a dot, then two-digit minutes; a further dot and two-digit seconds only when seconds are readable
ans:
10.05
